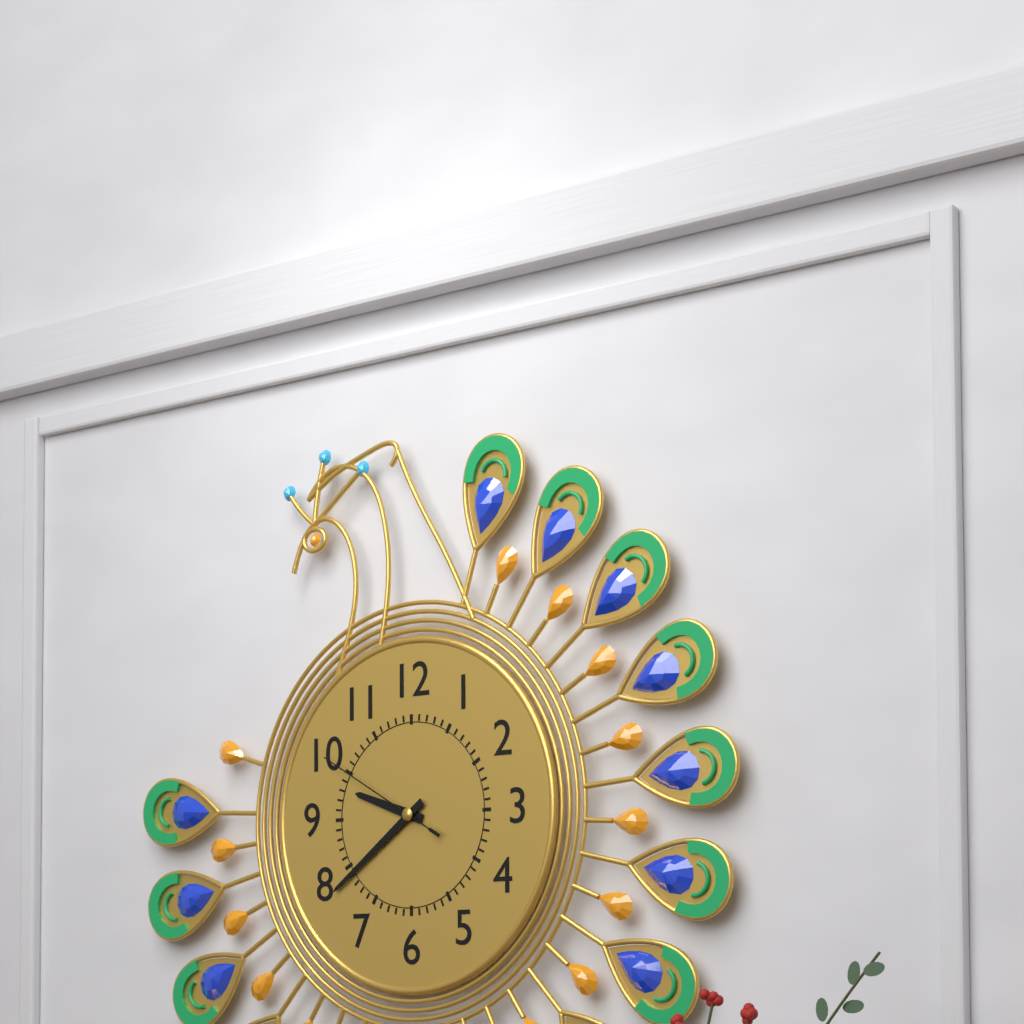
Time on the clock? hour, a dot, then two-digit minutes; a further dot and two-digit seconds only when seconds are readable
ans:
9.39.50
